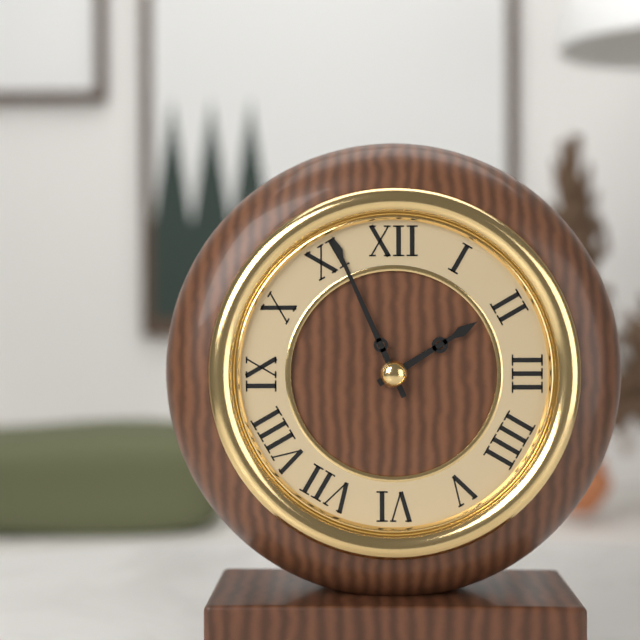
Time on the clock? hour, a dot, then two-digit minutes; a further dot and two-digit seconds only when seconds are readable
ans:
1.56
